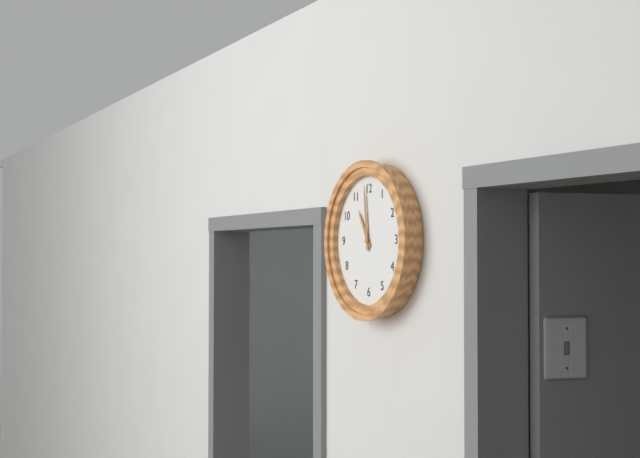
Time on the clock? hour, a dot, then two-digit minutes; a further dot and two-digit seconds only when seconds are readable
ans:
10.59
